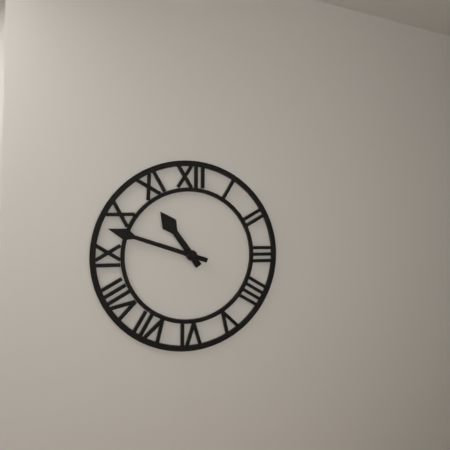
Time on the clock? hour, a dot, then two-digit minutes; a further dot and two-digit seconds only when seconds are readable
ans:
10.48
